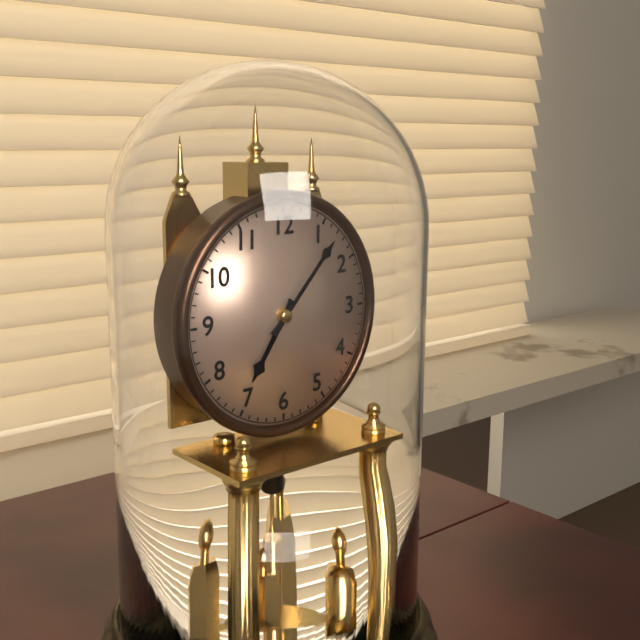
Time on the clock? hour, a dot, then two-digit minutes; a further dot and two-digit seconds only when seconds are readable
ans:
7.07
